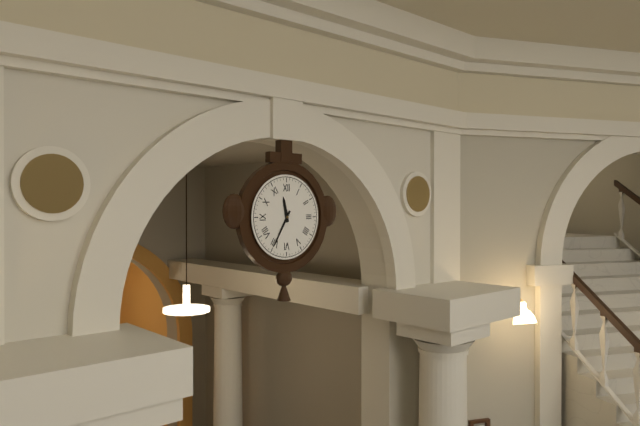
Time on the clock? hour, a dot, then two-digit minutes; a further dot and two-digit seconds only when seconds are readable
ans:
11.35
